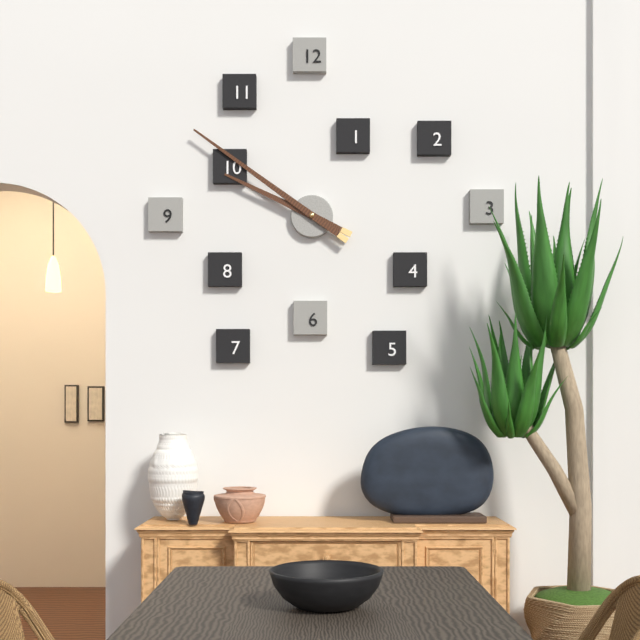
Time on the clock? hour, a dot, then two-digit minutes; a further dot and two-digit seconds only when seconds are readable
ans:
9.51
